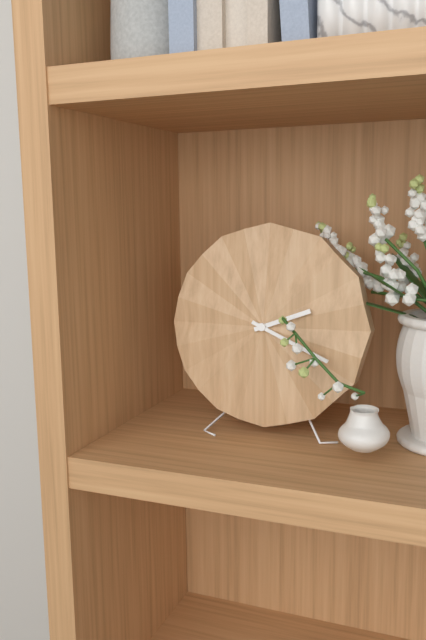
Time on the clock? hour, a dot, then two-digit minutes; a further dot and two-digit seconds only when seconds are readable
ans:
2.19
